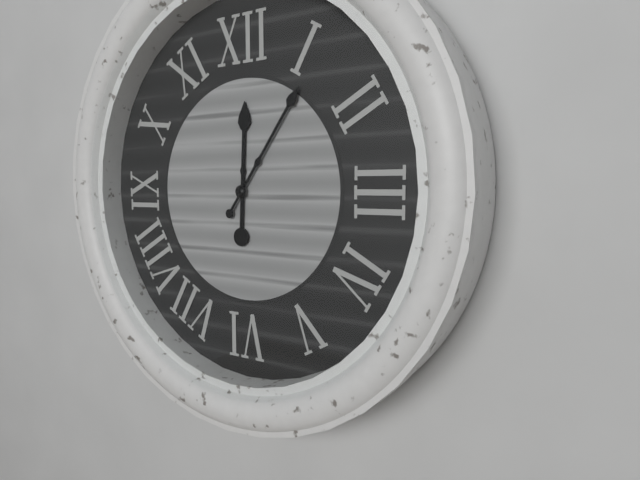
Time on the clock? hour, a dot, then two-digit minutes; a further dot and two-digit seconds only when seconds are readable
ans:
12.06
